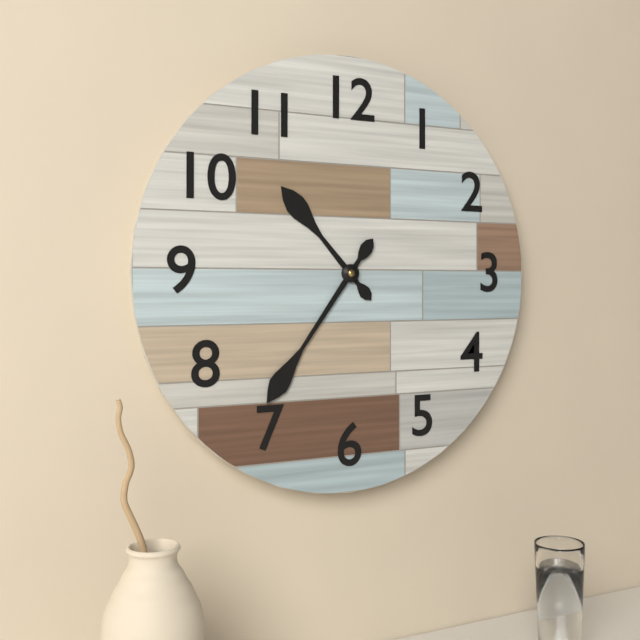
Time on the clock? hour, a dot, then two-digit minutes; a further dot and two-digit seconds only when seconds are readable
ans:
10.36
